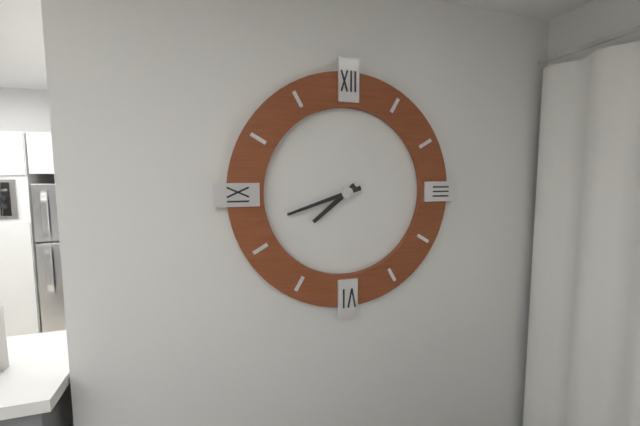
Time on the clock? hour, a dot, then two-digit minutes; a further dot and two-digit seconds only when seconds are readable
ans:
7.42
